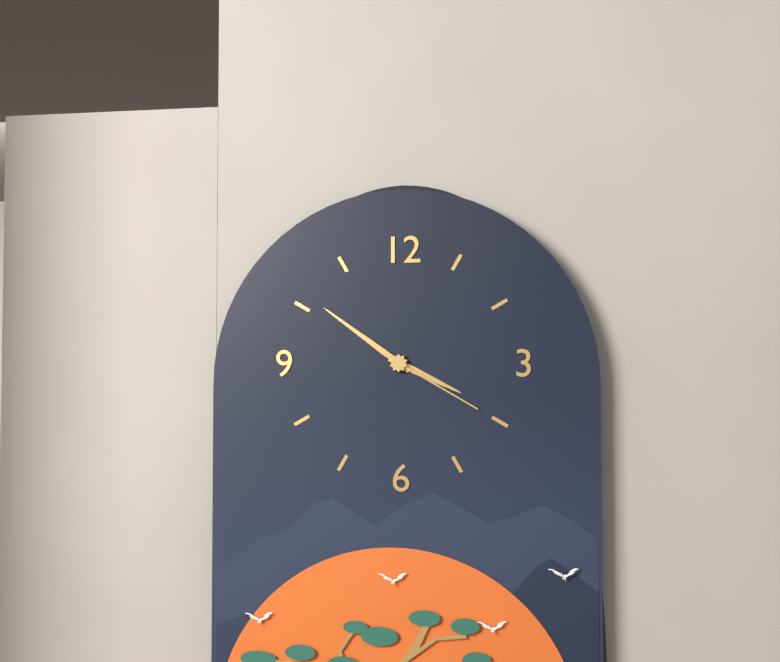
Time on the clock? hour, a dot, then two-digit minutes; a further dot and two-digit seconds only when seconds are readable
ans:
3.51.20
